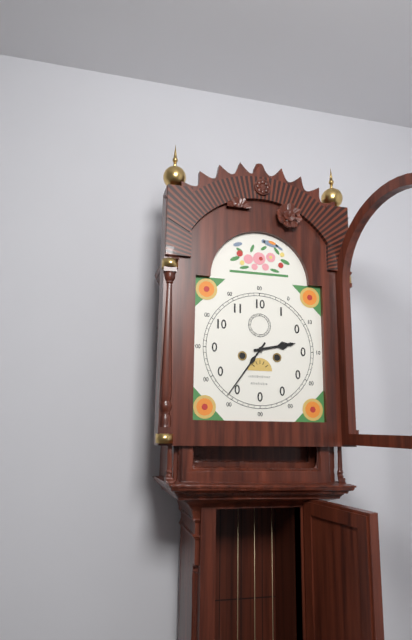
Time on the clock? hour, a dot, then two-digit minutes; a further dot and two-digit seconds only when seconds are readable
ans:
2.36
